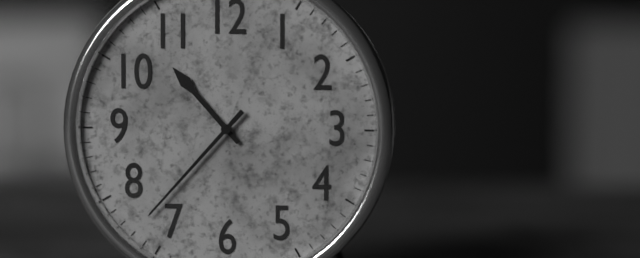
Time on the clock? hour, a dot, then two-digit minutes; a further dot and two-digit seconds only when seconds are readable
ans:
10.37
